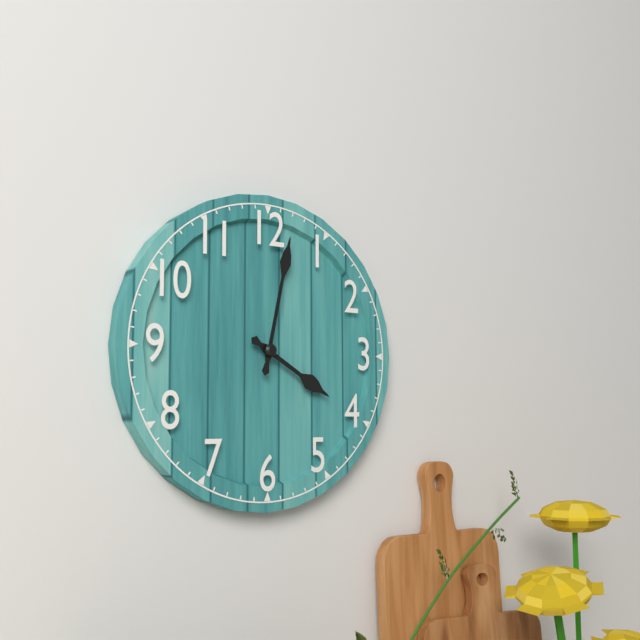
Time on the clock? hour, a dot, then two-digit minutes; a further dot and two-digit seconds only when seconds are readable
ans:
4.02
